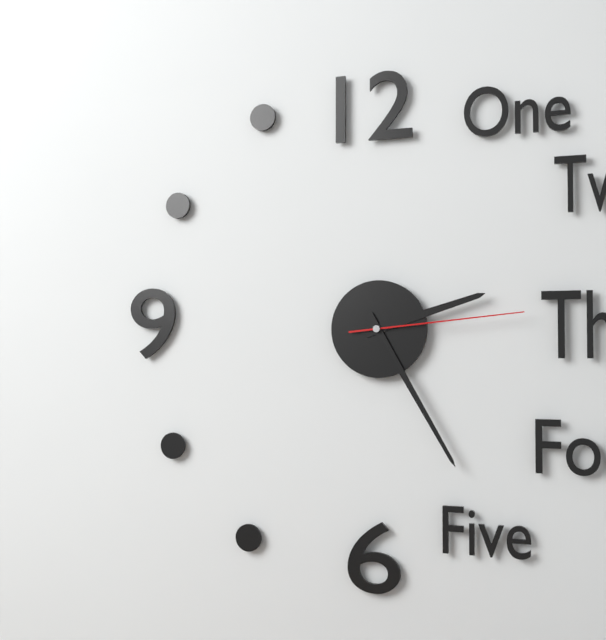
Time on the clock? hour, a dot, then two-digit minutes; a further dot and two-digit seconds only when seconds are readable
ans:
2.25.14
